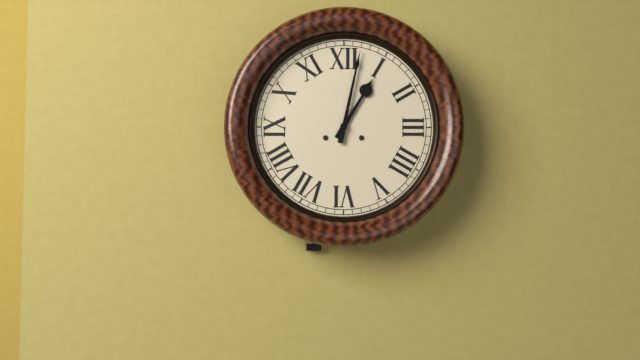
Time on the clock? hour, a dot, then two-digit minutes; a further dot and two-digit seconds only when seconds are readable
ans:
1.02
